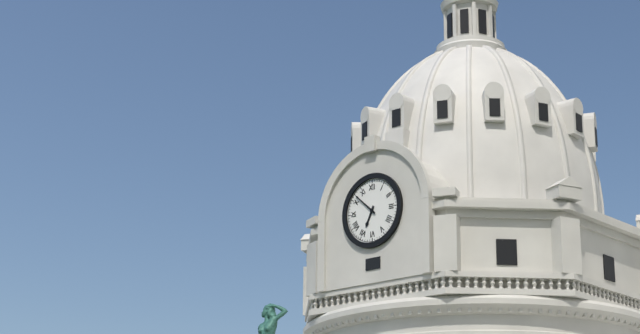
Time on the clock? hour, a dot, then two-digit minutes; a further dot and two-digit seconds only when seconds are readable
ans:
6.52
